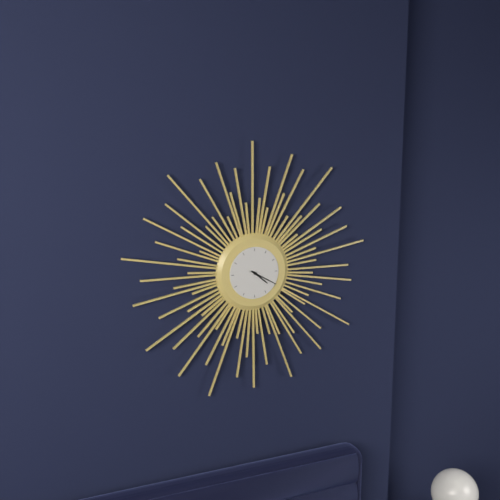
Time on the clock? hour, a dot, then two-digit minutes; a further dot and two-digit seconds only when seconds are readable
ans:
4.20
